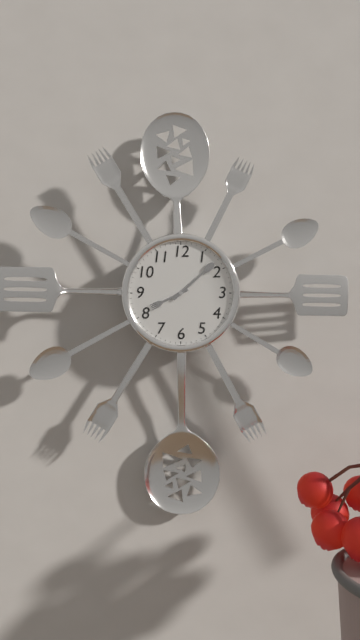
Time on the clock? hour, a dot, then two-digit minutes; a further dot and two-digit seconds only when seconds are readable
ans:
8.08
